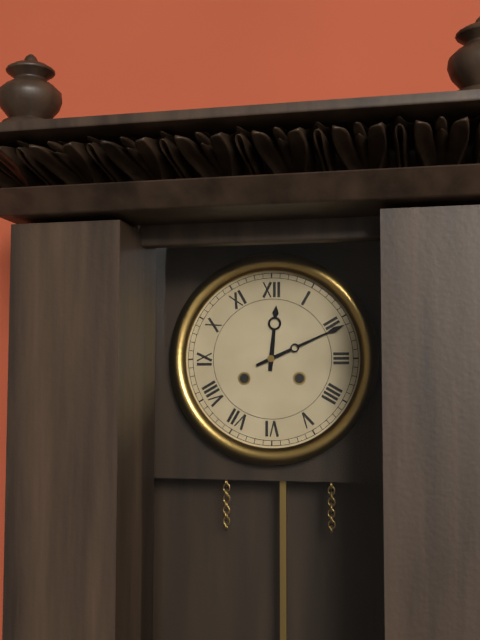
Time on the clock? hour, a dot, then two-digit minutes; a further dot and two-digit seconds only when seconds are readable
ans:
12.11
